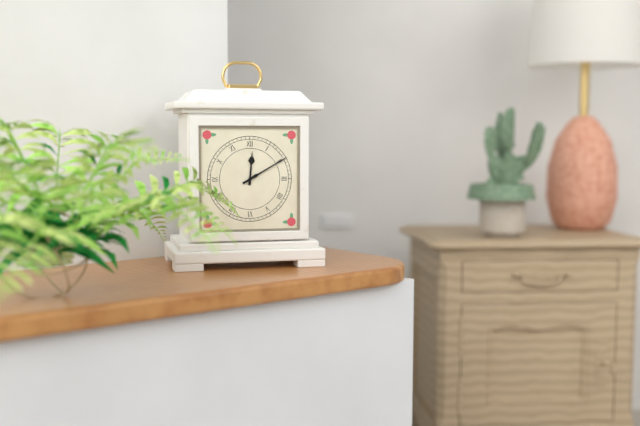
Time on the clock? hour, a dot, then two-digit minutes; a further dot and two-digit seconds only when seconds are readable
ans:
12.10
